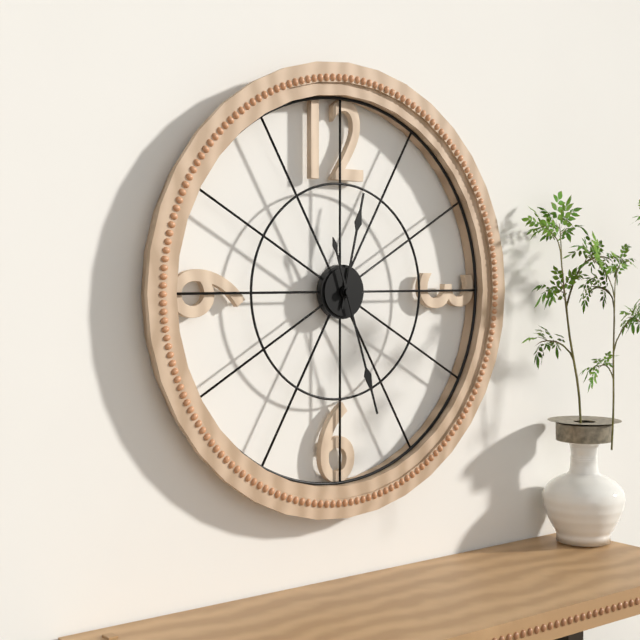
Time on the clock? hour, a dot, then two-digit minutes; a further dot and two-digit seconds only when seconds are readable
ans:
12.27
